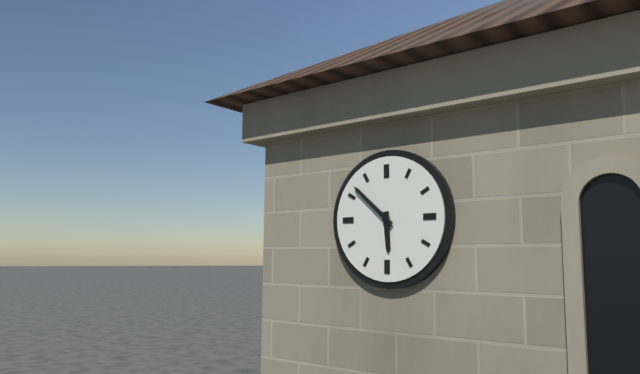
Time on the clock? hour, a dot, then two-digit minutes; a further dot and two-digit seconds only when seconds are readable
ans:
5.52
